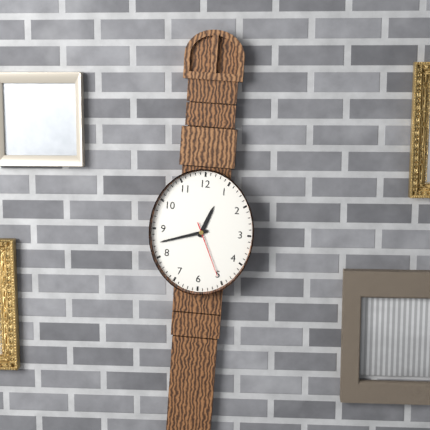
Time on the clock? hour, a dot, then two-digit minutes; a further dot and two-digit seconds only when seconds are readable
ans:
12.42.26
